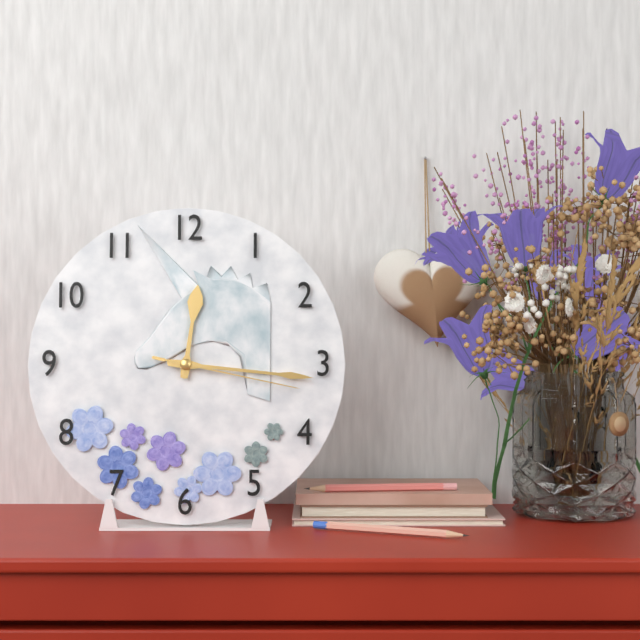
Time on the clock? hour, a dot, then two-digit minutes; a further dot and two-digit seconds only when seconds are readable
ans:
12.16.17
